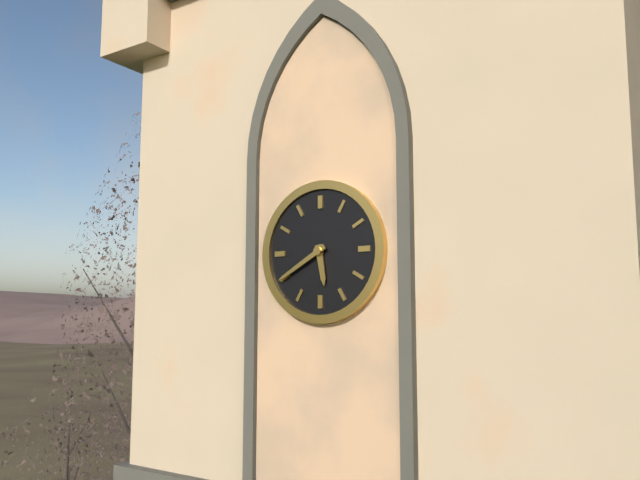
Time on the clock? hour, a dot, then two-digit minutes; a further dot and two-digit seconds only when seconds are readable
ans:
5.40
